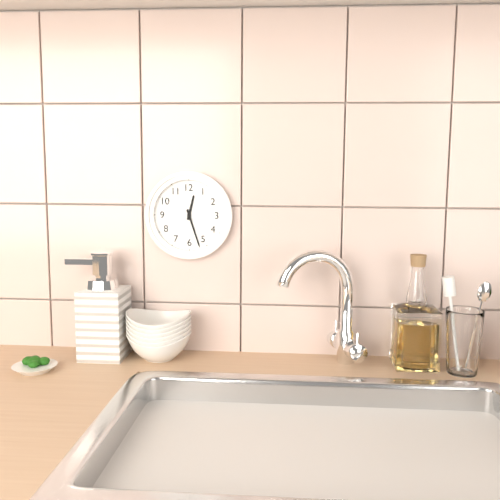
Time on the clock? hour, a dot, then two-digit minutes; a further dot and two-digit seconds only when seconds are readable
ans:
12.27
